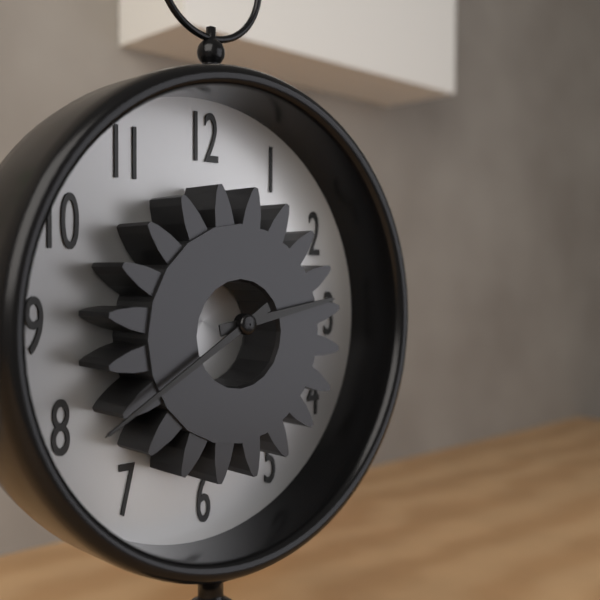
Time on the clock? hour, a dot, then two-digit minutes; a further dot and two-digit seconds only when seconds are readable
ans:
2.40
